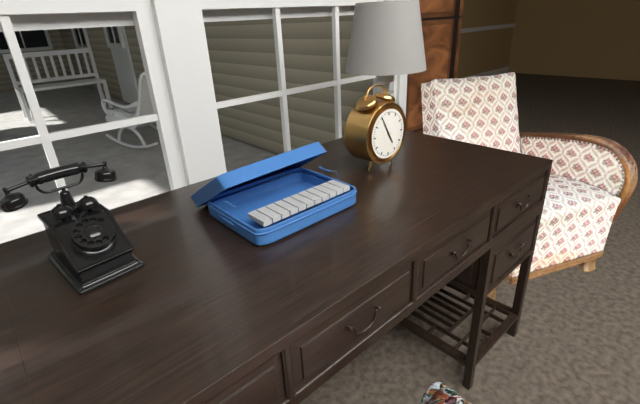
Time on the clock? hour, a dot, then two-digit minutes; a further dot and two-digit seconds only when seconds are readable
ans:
4.55
